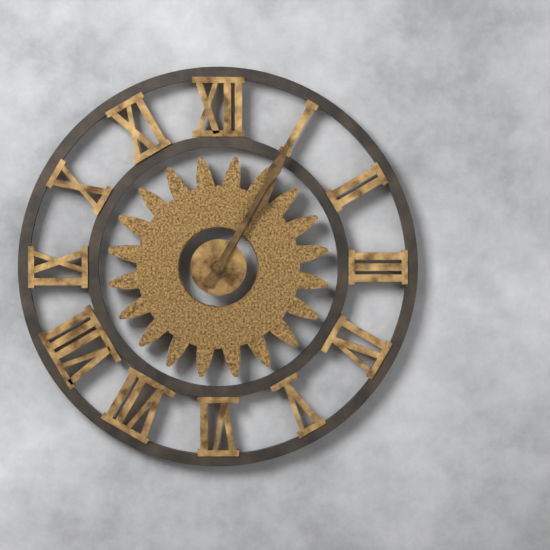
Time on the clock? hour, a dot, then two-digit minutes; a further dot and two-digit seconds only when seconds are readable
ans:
1.05
